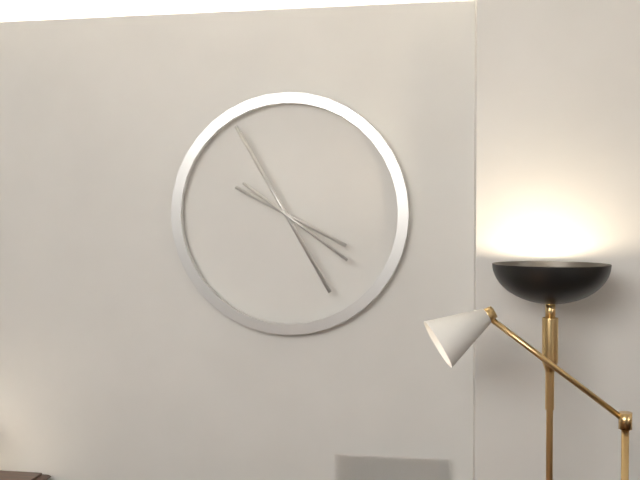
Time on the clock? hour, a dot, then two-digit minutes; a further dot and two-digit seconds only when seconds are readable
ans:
3.55.21
